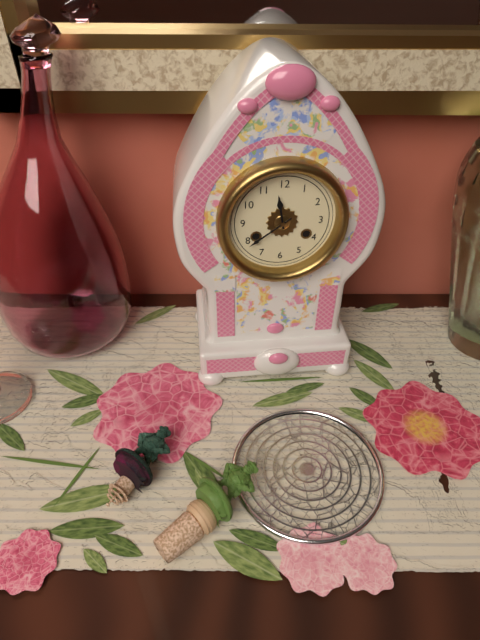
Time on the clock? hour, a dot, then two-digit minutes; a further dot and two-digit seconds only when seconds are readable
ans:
11.39
